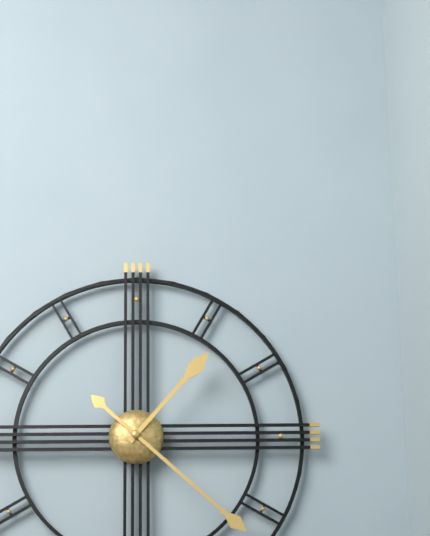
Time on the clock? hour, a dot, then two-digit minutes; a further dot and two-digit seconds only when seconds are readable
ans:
1.22
